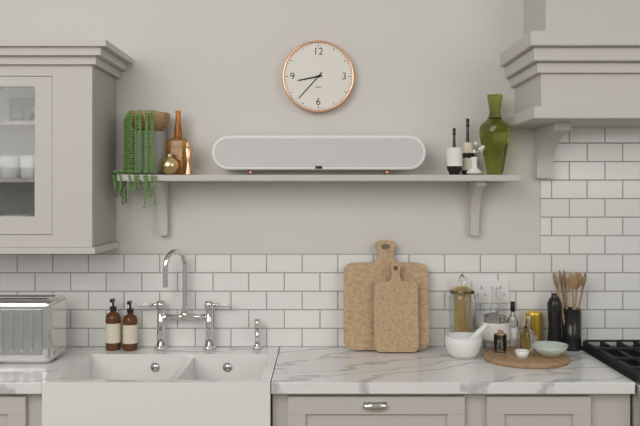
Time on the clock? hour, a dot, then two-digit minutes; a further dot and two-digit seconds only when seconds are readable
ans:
8.37
